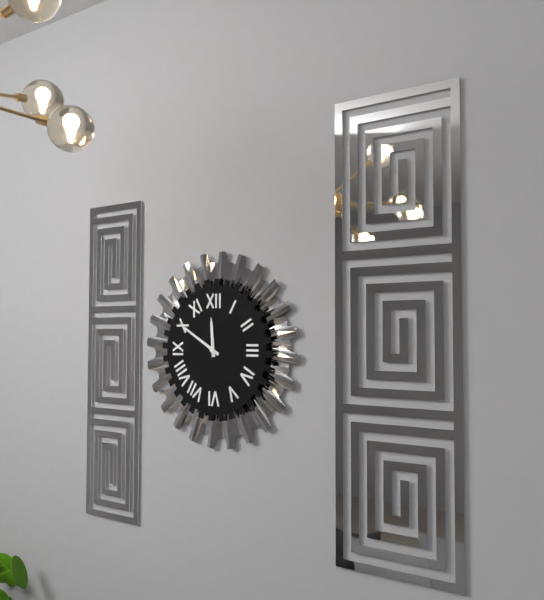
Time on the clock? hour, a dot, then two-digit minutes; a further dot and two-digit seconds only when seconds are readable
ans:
11.50
